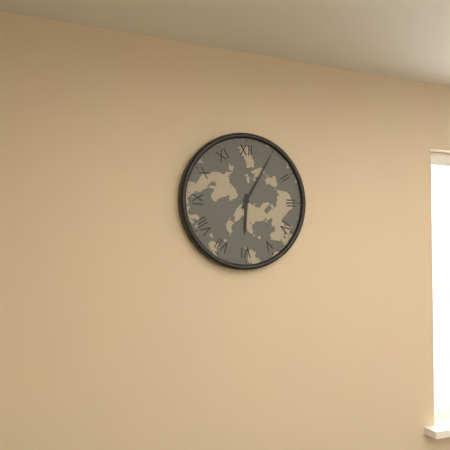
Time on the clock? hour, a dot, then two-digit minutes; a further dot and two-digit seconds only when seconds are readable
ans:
6.05
